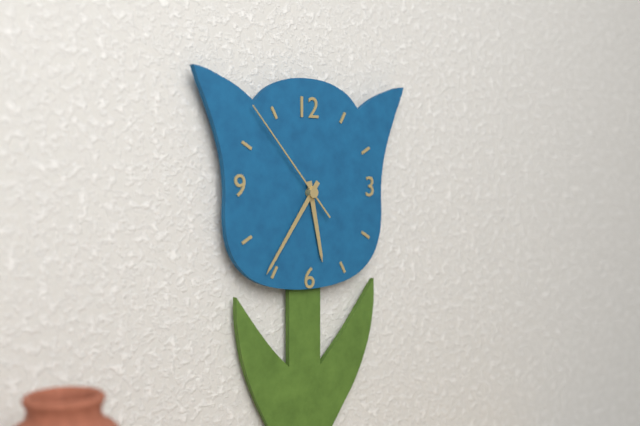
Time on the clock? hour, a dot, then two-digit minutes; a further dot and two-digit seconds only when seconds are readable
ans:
5.36.53
